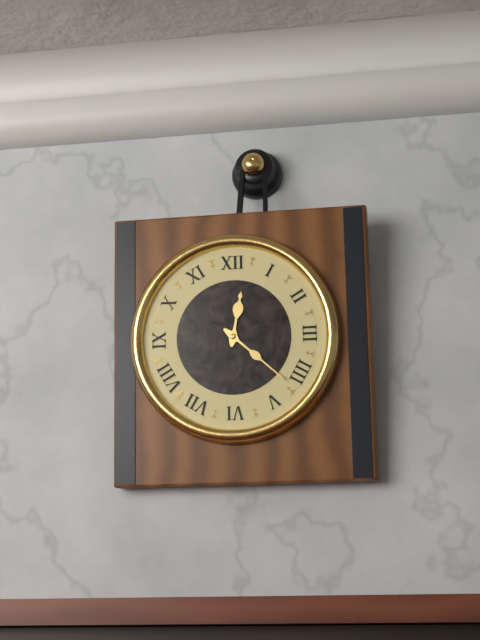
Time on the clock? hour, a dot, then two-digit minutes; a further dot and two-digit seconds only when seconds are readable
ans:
12.22
